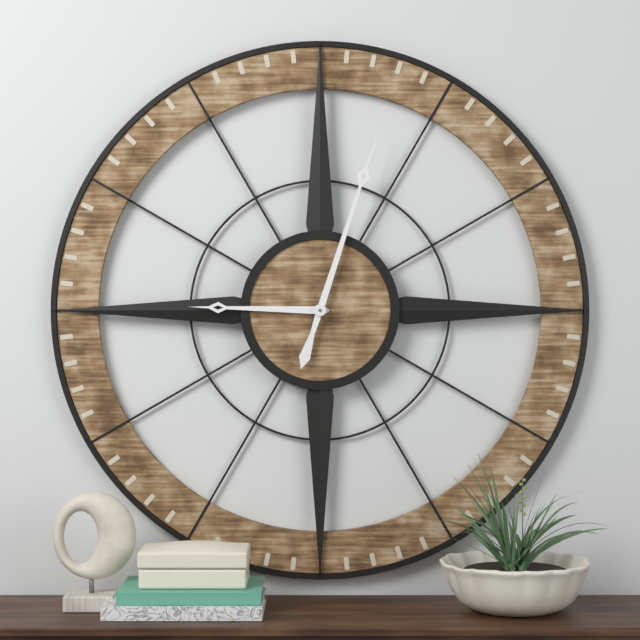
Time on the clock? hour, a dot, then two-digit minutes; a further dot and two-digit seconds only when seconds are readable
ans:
9.03
